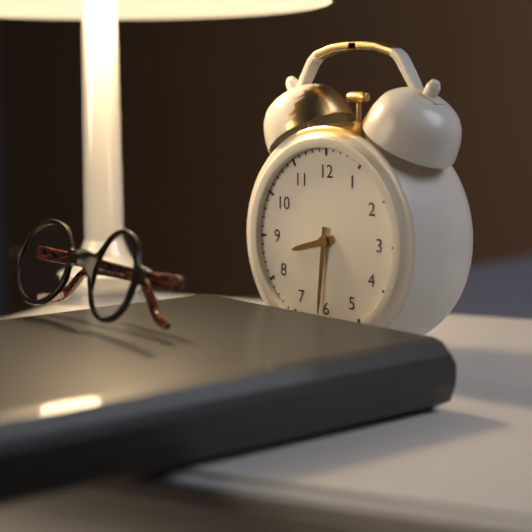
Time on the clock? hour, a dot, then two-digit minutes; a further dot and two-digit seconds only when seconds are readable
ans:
8.31
